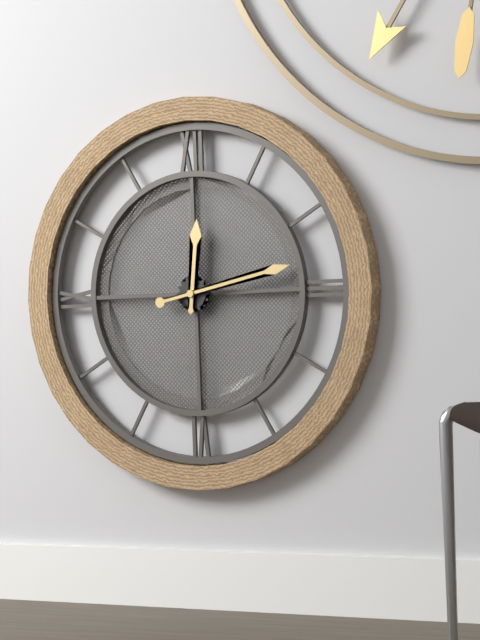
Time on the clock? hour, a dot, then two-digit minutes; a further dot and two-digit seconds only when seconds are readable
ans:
12.13
